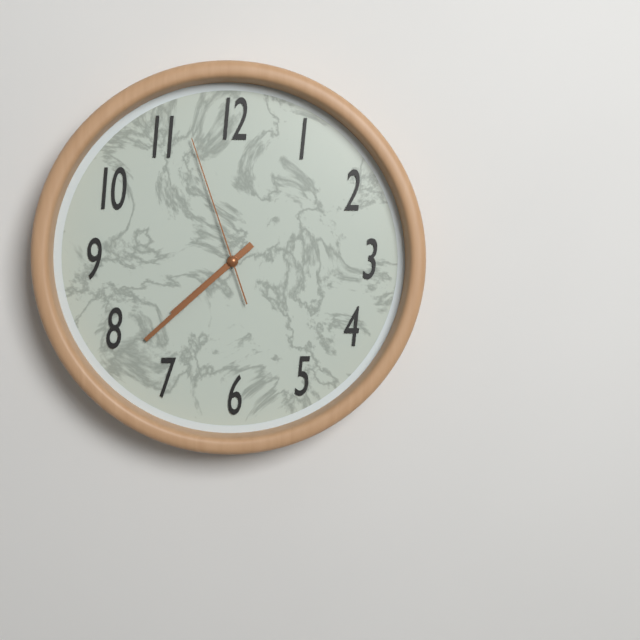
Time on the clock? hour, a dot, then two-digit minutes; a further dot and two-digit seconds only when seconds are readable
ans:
7.38.57
